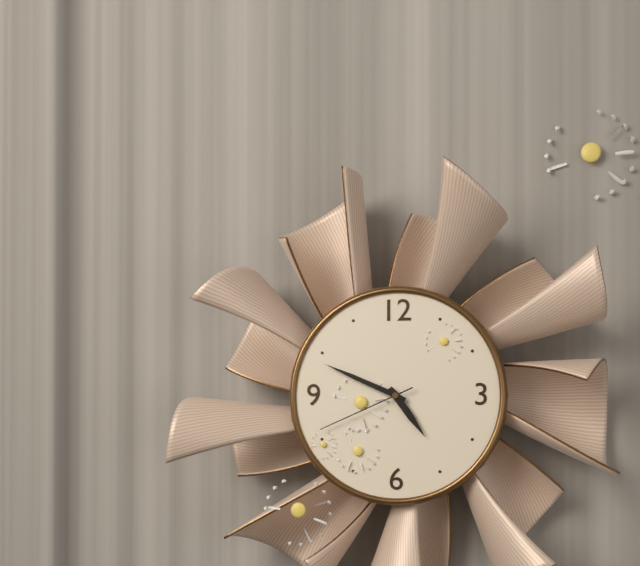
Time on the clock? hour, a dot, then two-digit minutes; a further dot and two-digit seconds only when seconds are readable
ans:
4.49.41
